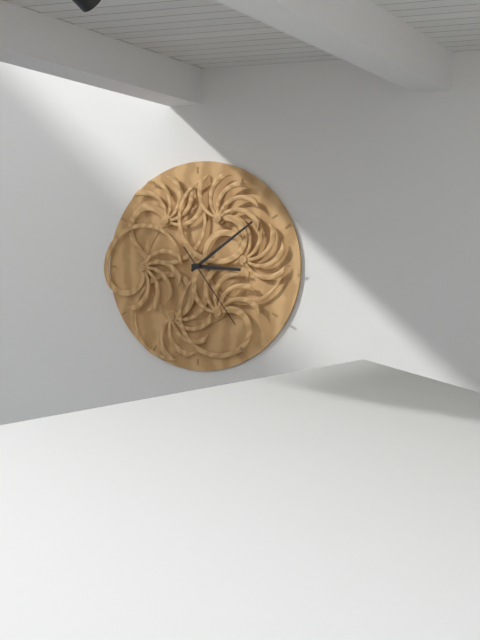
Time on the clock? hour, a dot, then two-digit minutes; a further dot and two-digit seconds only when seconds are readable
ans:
3.09.24
